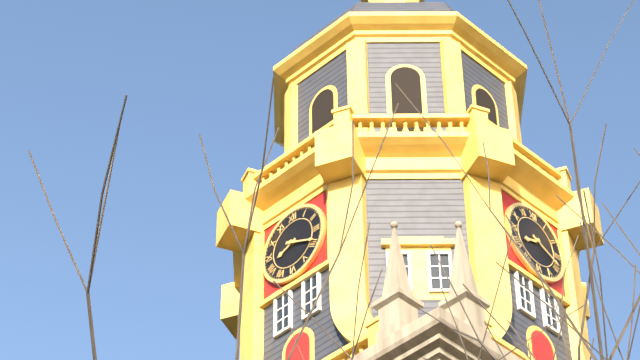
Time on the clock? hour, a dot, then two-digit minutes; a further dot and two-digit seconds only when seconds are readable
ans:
8.19
